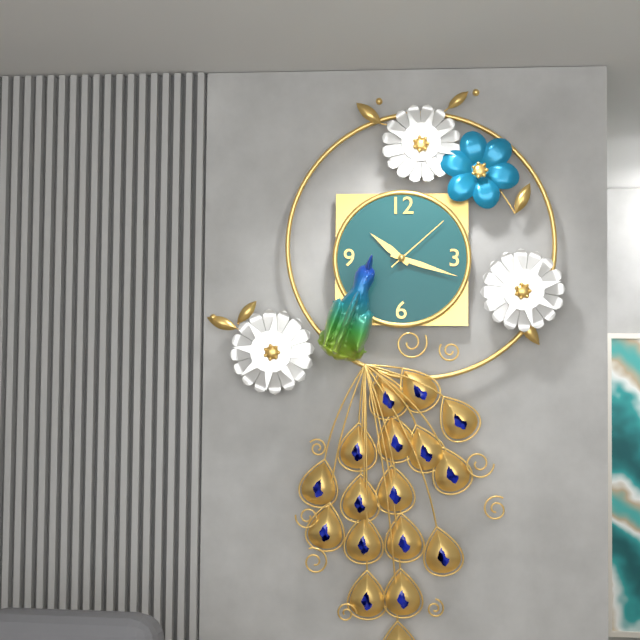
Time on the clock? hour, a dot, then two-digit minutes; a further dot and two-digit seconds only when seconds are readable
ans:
10.18.08
